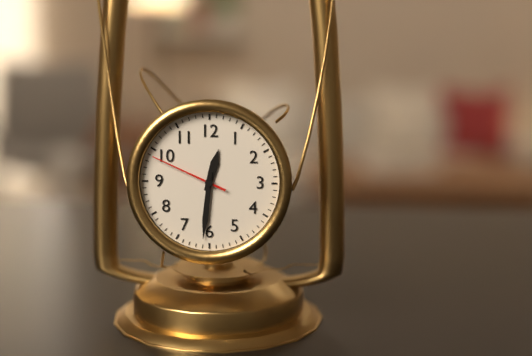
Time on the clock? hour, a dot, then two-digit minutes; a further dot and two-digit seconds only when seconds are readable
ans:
12.31.49
